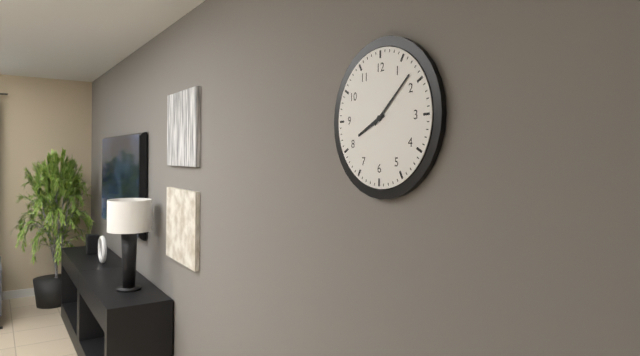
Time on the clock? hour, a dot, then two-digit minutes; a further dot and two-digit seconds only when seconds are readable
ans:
8.08
